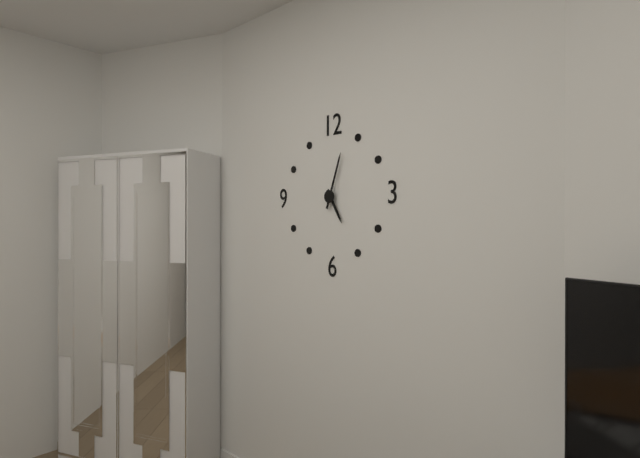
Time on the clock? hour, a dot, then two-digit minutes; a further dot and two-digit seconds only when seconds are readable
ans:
5.03
